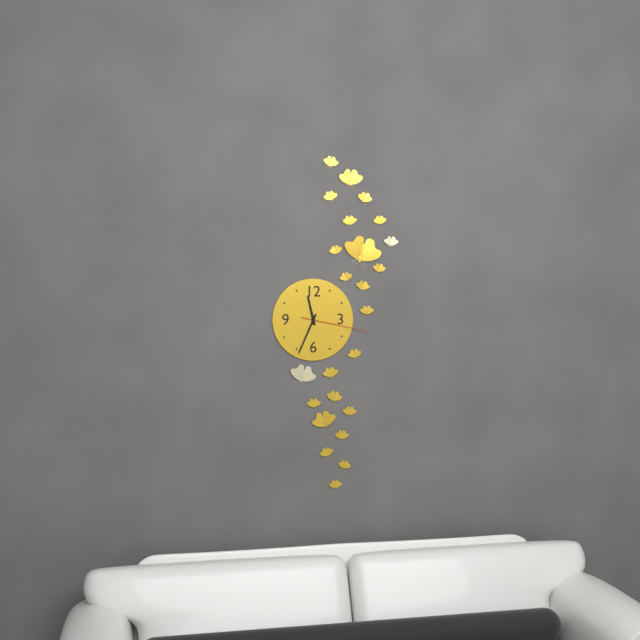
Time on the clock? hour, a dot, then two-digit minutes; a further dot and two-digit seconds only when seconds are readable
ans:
11.34.17
